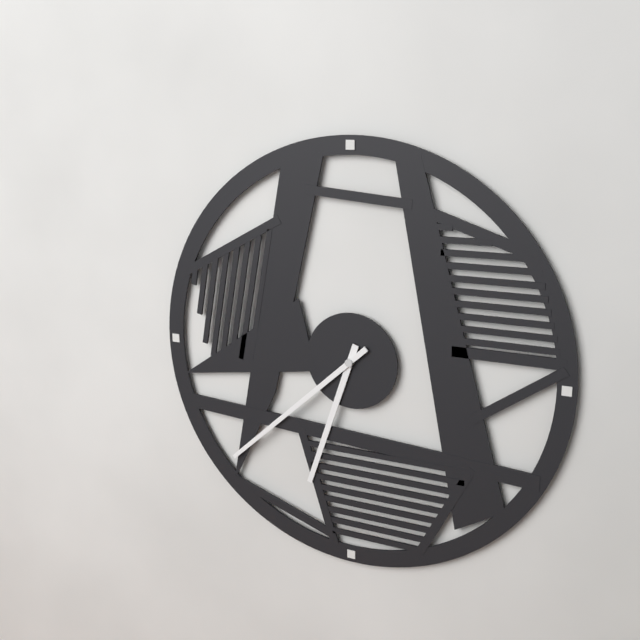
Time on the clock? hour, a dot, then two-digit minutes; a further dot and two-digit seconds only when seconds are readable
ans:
6.38
